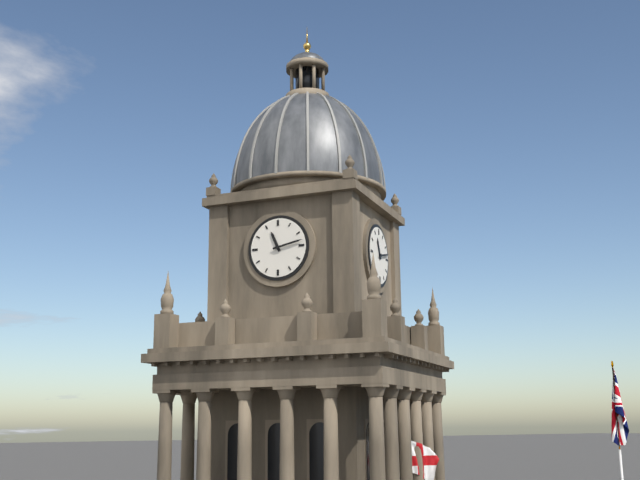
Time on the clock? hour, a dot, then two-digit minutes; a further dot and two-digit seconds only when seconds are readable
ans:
11.13
